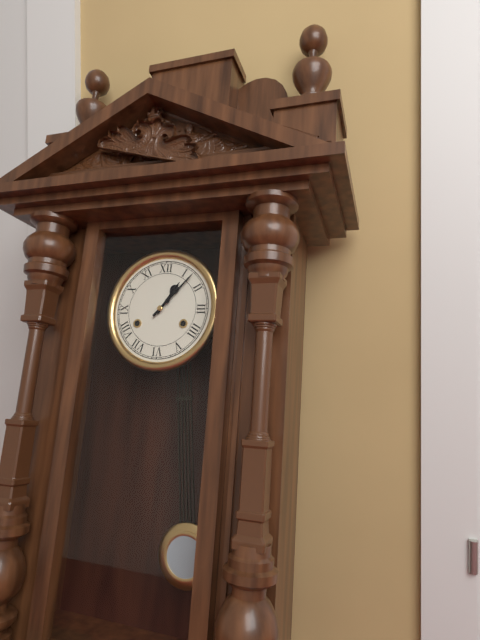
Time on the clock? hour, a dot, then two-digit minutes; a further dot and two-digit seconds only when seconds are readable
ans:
1.07
